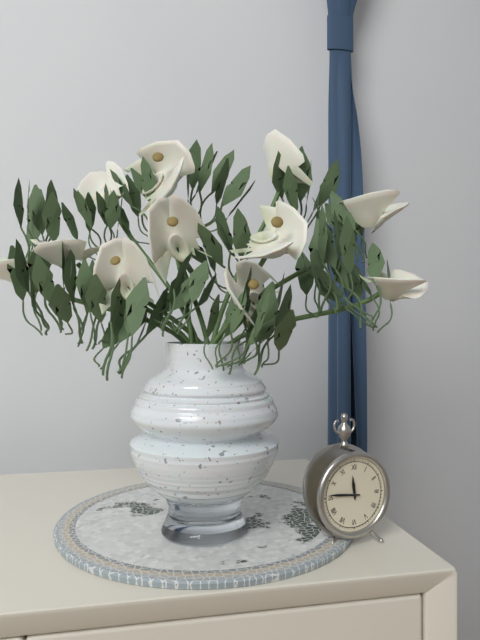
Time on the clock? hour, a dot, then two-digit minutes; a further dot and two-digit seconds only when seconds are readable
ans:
11.46
